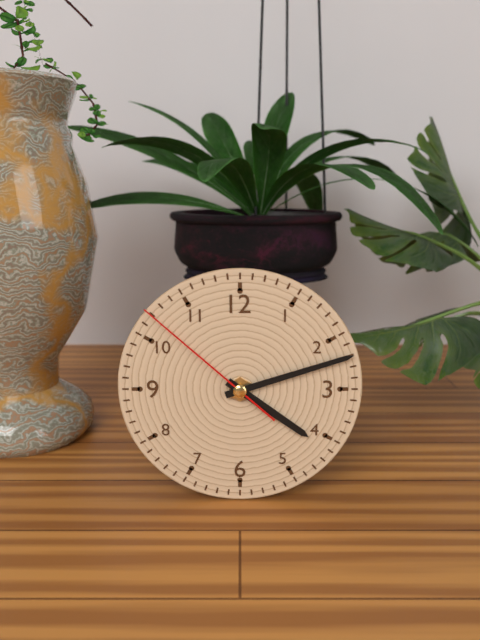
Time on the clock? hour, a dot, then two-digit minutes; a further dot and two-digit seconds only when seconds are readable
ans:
4.12.52
